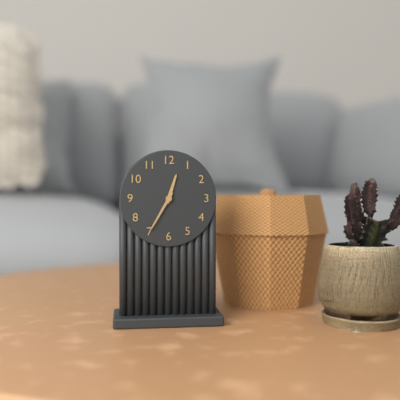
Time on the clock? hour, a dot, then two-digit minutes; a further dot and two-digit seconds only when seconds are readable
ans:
12.35
